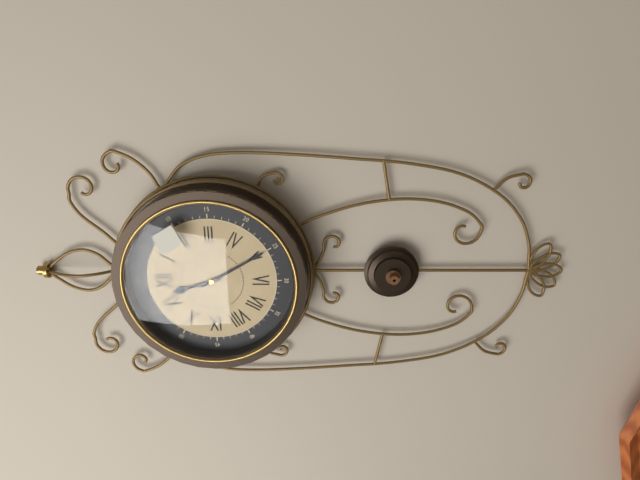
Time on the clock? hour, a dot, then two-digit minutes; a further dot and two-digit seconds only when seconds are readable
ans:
11.25
